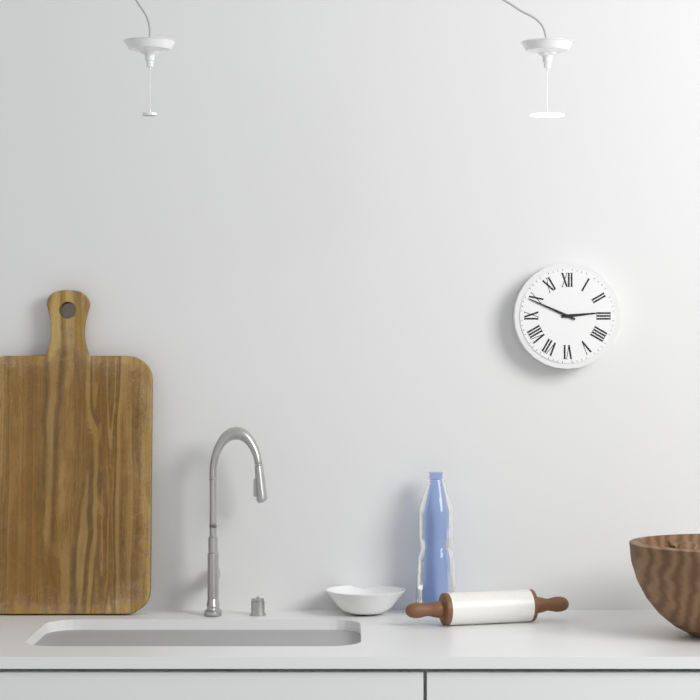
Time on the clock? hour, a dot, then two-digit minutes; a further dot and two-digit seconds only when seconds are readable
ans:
2.49
